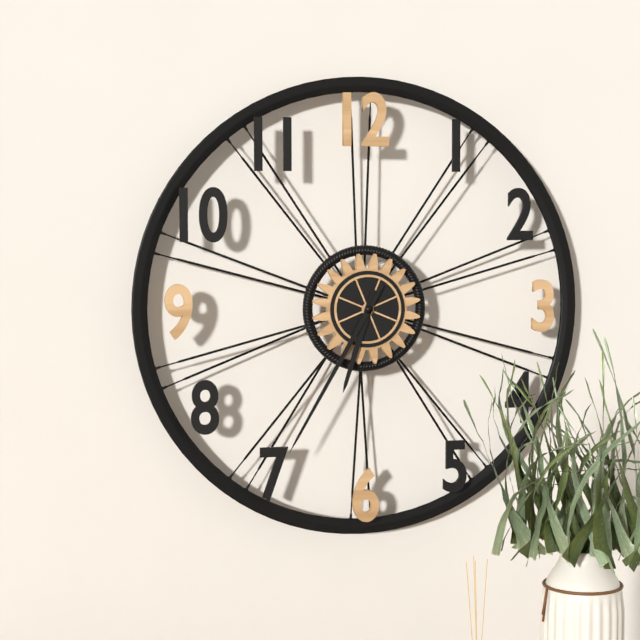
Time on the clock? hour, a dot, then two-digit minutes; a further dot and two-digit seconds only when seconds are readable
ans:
6.35
